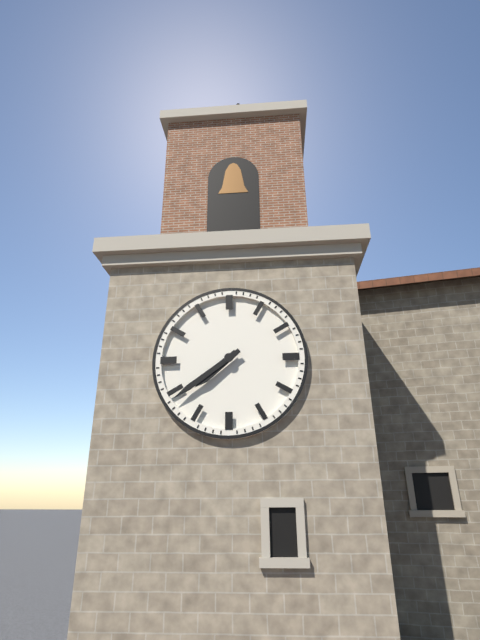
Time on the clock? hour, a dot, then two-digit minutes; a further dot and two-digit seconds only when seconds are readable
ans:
7.39
